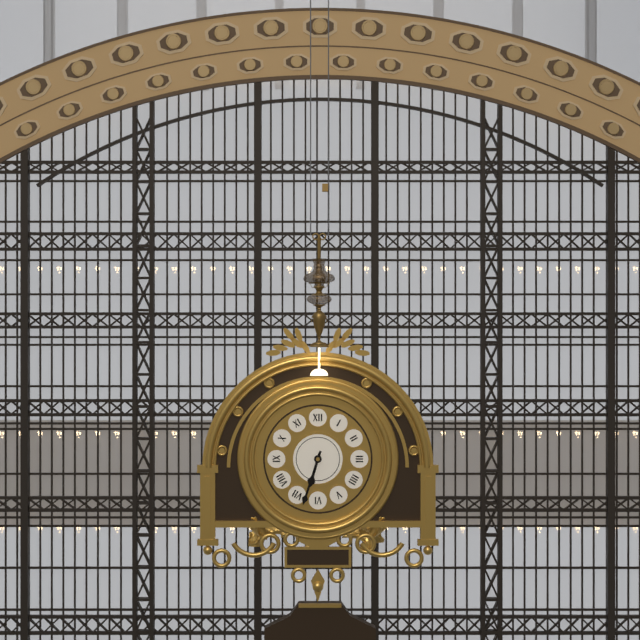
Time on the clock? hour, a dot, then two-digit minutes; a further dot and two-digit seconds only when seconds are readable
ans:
6.33
